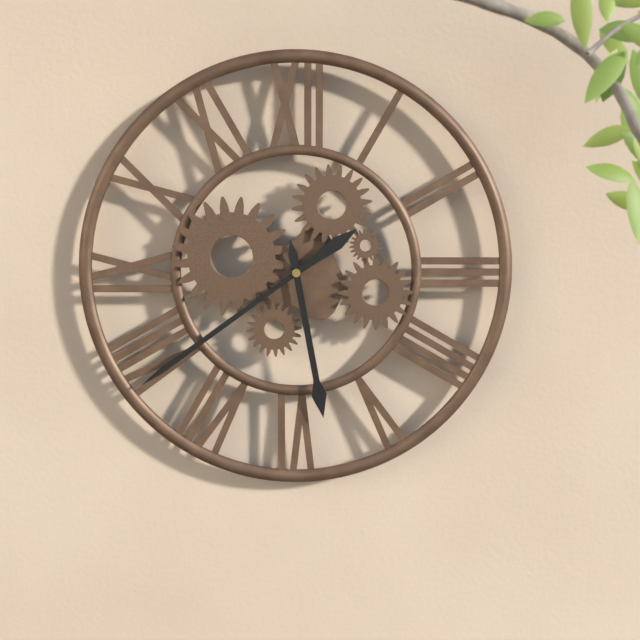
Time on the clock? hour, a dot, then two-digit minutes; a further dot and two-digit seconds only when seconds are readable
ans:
5.39
